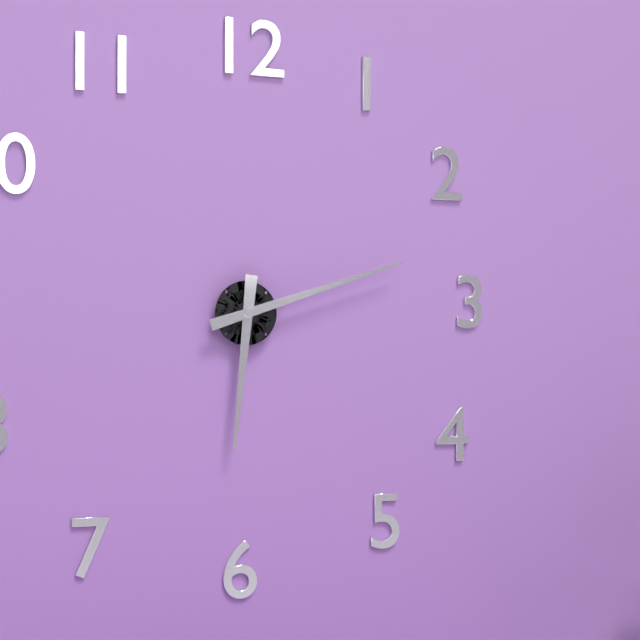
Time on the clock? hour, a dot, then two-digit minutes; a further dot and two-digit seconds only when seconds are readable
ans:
6.12
